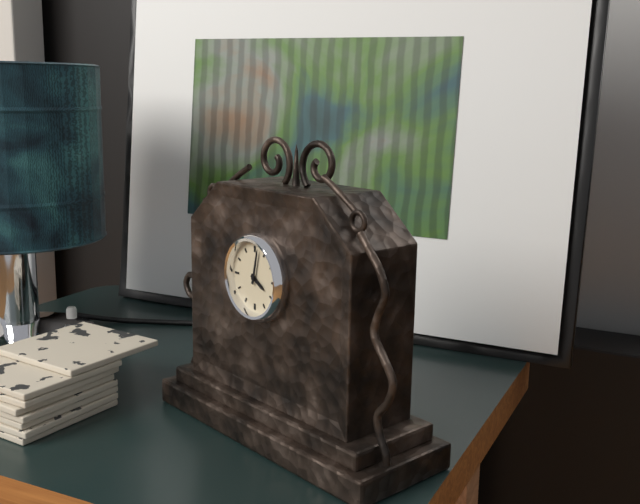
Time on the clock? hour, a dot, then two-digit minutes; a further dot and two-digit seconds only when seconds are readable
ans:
4.02
